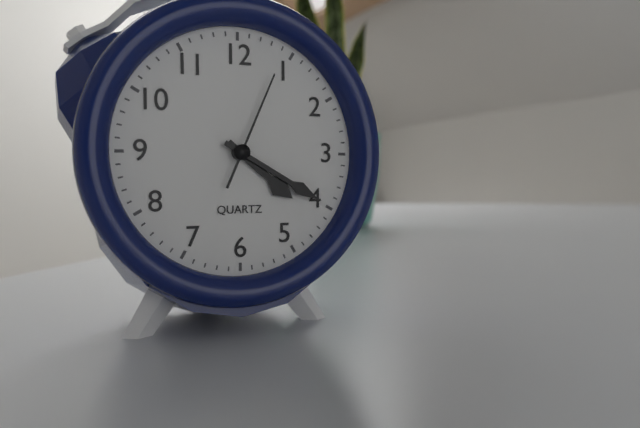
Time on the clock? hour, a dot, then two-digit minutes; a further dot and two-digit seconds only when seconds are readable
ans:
4.20.04
